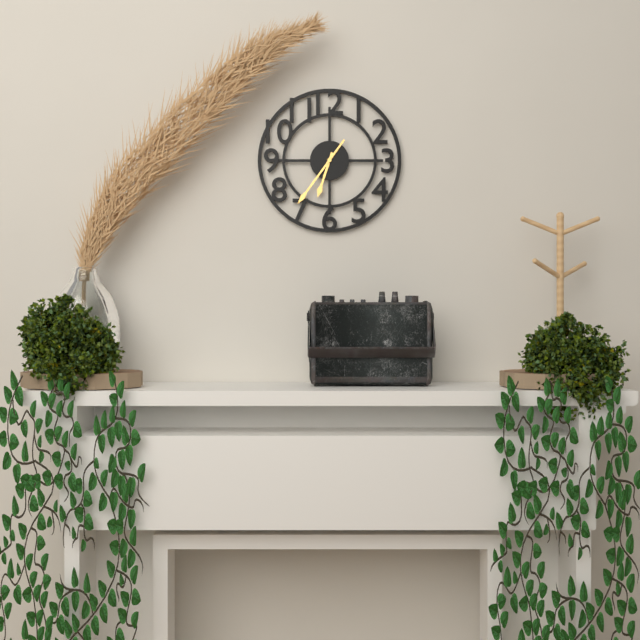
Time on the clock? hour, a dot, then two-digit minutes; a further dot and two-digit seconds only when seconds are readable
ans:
6.36
